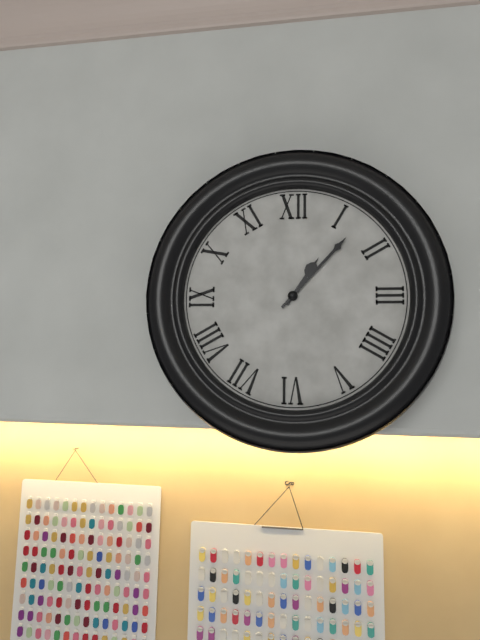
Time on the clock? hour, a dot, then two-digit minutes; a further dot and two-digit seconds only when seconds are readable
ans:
1.07
